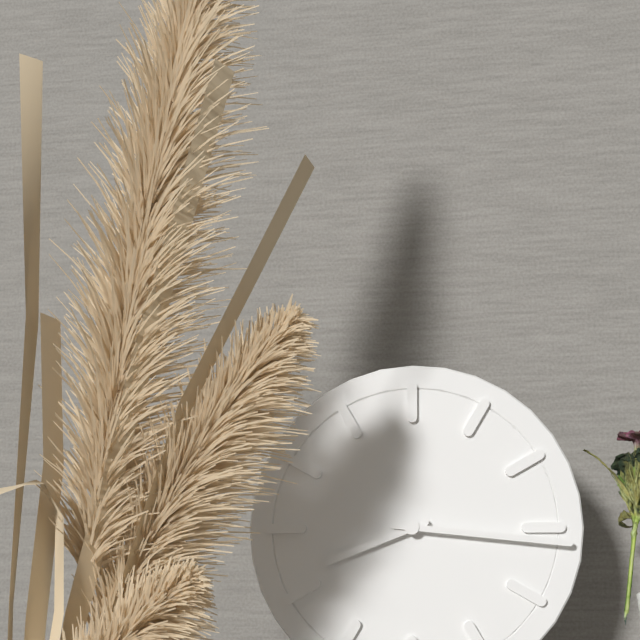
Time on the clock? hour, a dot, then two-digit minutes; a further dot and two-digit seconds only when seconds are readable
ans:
8.16
